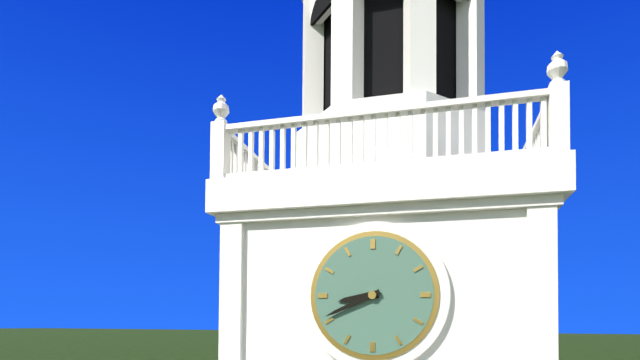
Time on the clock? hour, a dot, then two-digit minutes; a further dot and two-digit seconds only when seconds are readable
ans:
8.41
